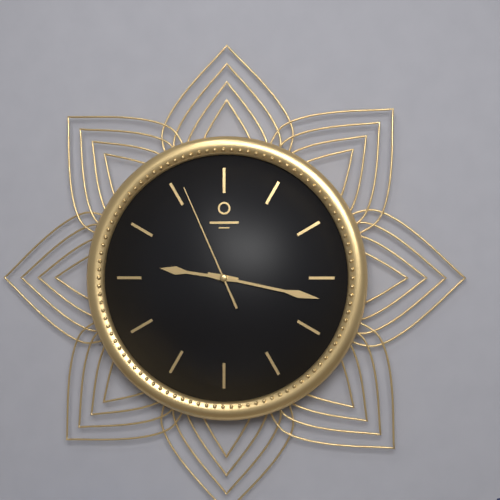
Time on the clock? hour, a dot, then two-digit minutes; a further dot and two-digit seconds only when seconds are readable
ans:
9.17.56
